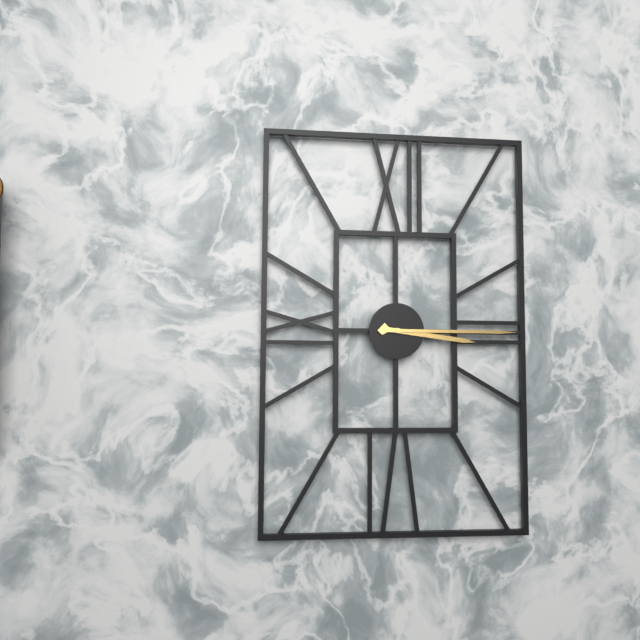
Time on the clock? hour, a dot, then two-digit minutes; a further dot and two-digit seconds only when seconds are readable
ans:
3.15
